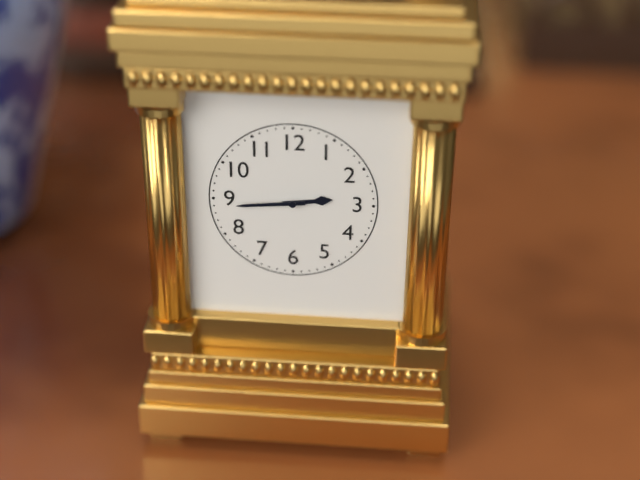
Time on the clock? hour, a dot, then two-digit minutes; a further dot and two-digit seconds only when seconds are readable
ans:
2.44
